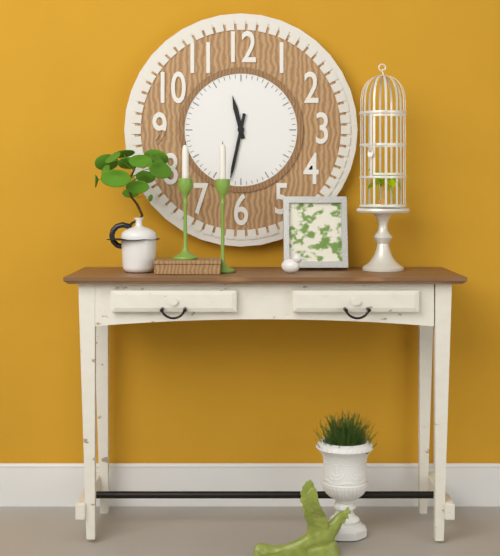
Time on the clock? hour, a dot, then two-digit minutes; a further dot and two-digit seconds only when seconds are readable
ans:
11.32
